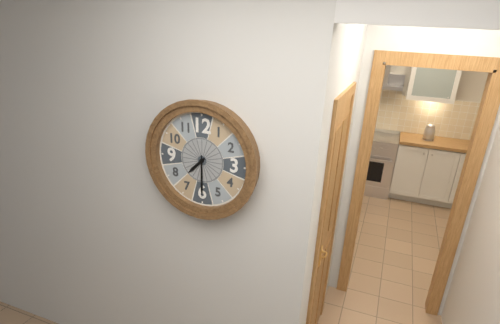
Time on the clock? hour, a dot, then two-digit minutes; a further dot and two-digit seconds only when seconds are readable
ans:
7.30
